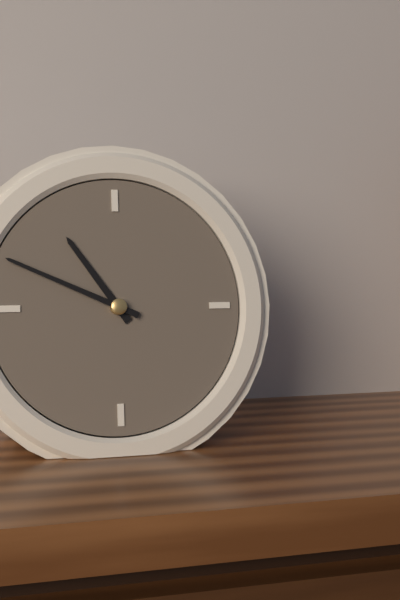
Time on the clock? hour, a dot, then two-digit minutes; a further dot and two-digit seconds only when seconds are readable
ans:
10.49
